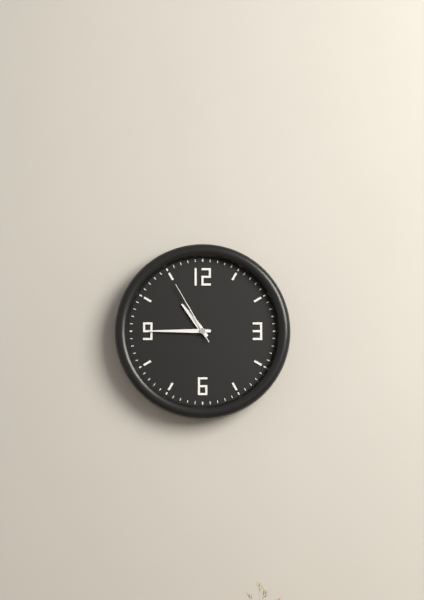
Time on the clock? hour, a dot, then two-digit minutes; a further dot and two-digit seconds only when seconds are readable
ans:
10.45.55
